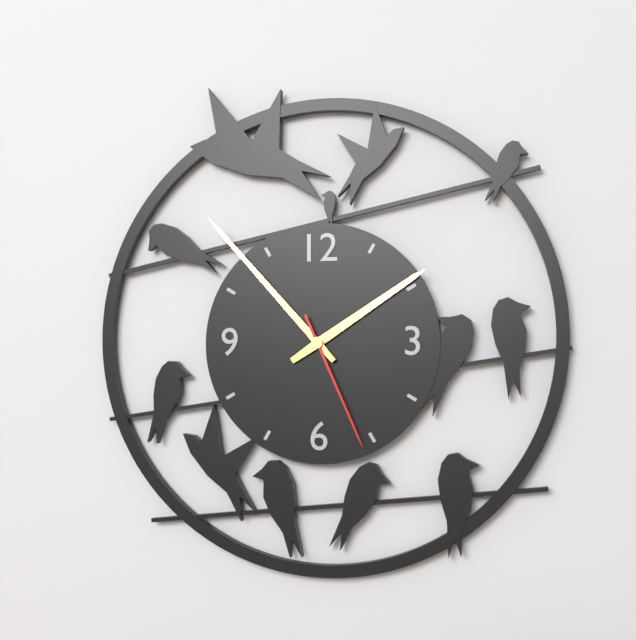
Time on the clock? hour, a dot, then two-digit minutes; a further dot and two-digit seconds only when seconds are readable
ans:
1.53.26
